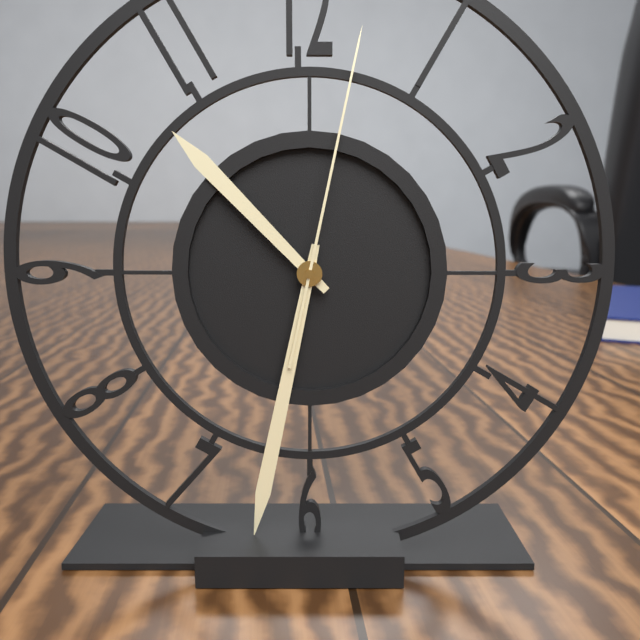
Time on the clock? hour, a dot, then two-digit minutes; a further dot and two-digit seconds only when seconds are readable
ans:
10.32.02
